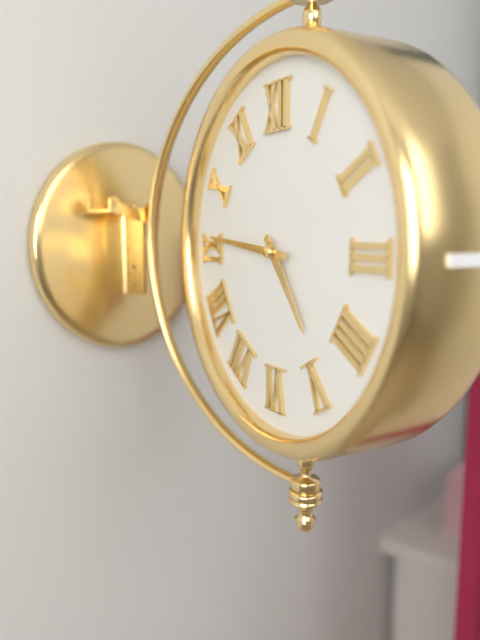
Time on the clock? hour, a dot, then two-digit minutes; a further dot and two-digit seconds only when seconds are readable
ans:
4.46
